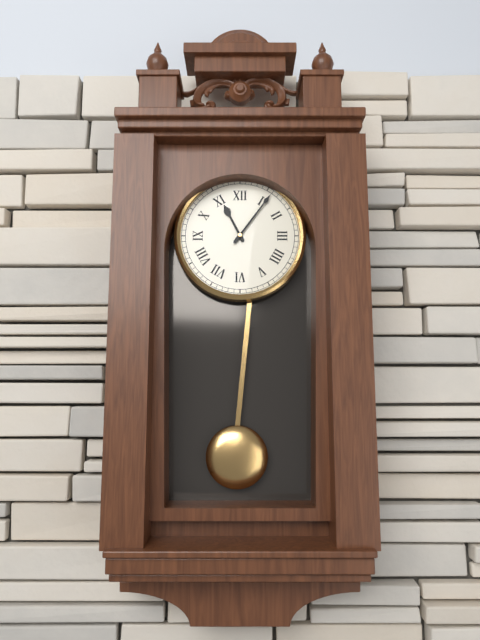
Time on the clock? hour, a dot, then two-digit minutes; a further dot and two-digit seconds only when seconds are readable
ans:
11.06
